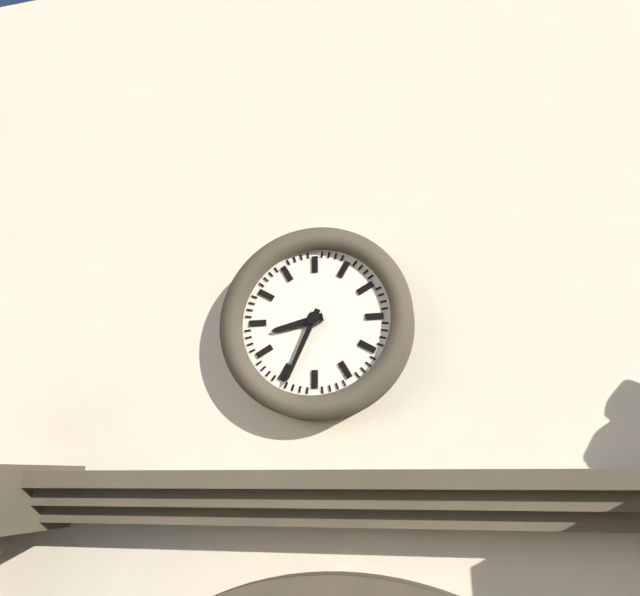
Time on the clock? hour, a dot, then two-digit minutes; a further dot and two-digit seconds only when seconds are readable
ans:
8.34
